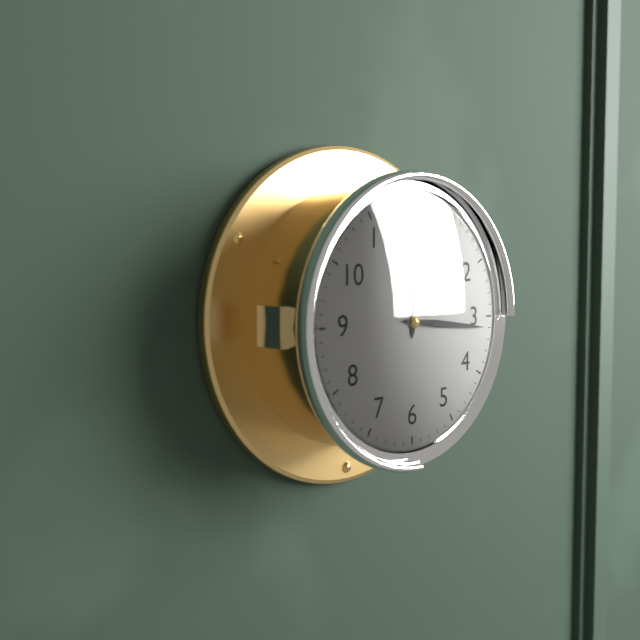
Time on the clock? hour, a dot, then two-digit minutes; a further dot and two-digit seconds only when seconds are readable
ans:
12.16
